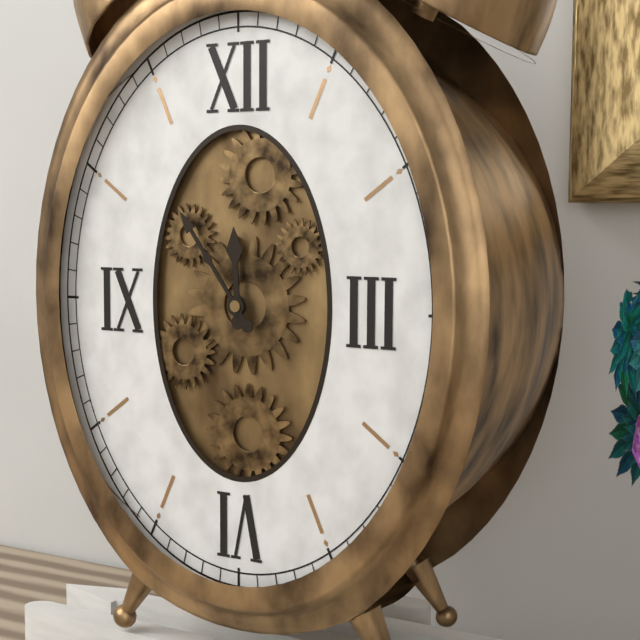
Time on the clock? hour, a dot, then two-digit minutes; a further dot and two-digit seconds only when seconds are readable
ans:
11.54
